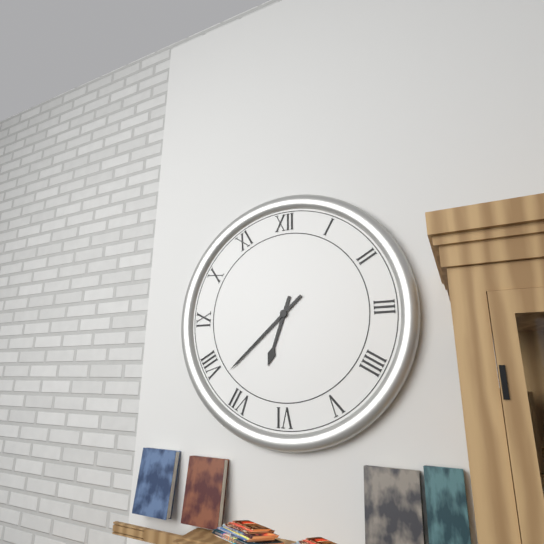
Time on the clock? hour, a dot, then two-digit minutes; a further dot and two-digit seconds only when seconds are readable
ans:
6.38
